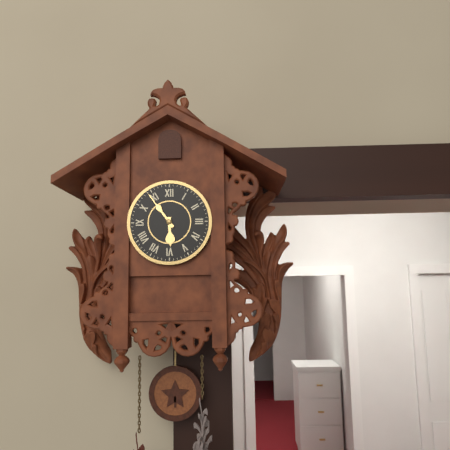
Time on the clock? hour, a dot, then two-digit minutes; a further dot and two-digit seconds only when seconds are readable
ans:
5.54
